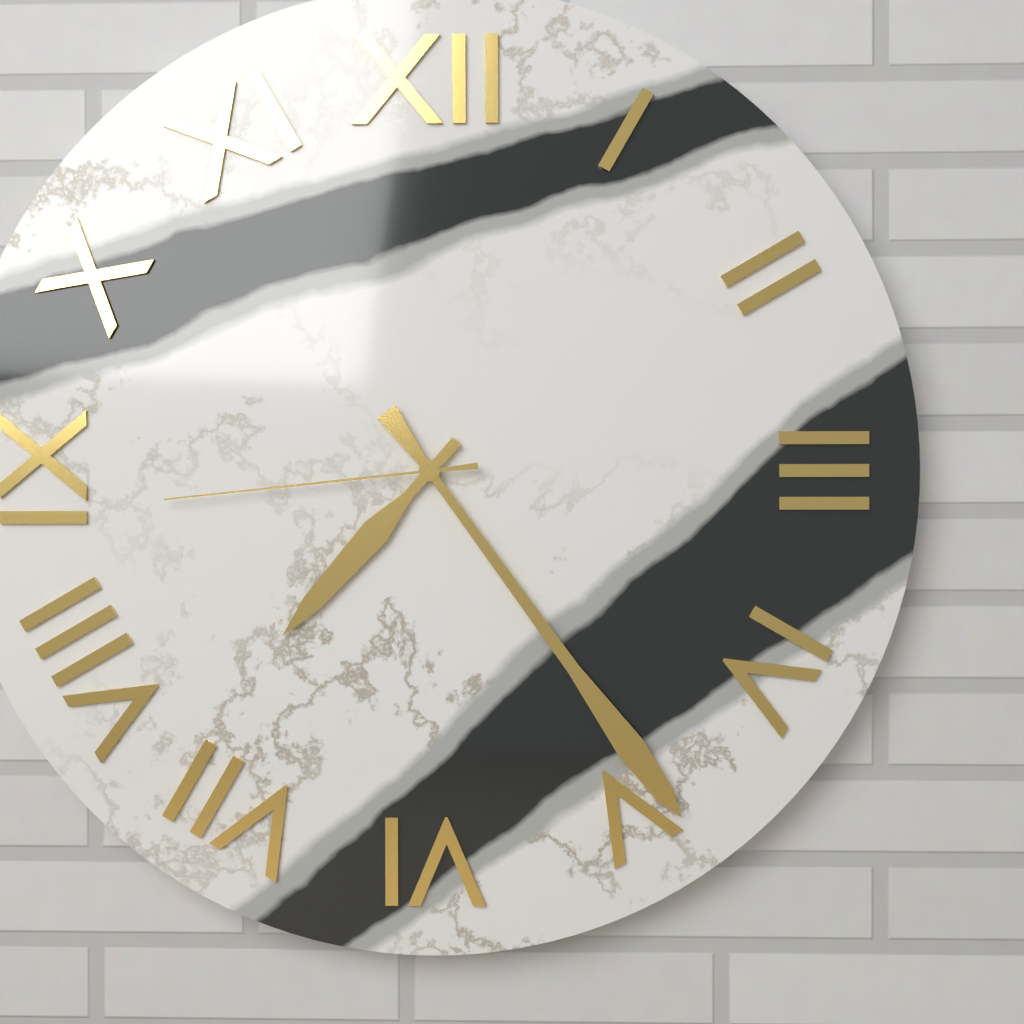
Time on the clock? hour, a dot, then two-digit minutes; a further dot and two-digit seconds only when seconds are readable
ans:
7.24.44
